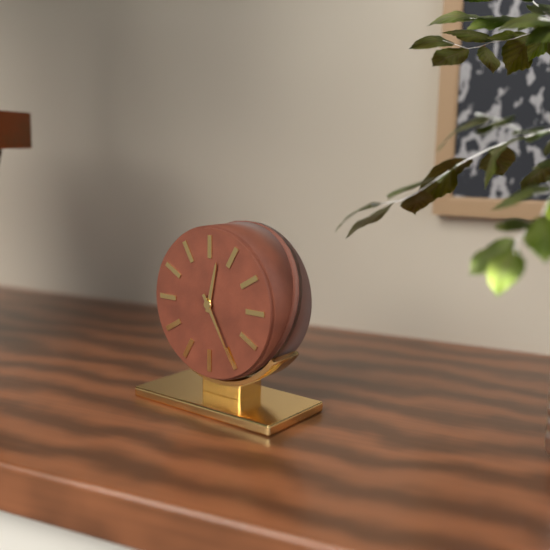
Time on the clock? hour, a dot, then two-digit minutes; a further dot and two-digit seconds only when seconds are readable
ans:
12.25
